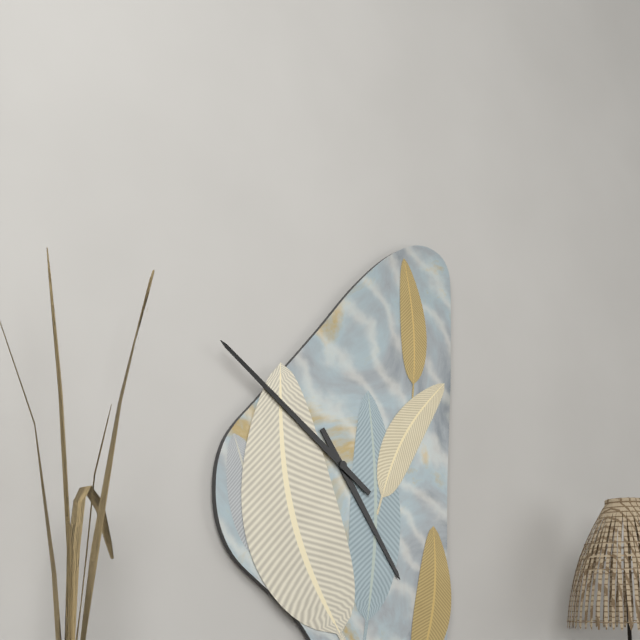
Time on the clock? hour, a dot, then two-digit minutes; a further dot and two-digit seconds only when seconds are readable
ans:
4.51
